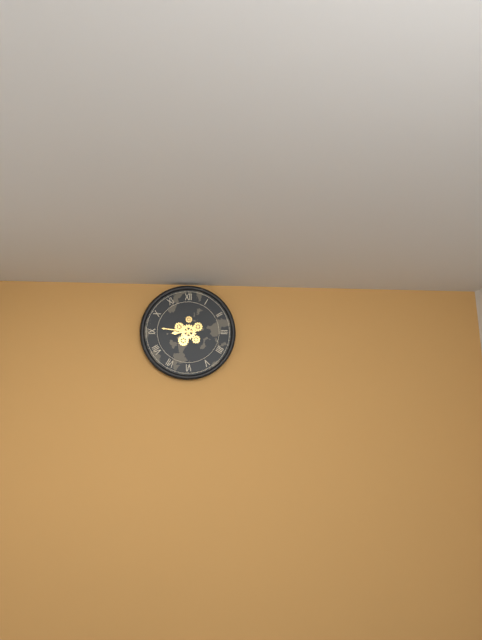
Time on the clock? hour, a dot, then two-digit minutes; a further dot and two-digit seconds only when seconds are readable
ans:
8.46
